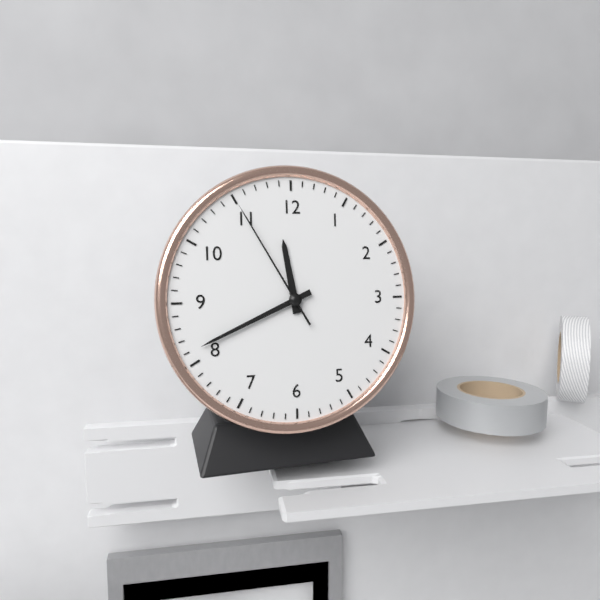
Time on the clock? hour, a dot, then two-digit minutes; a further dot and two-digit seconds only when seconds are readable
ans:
11.41.55
